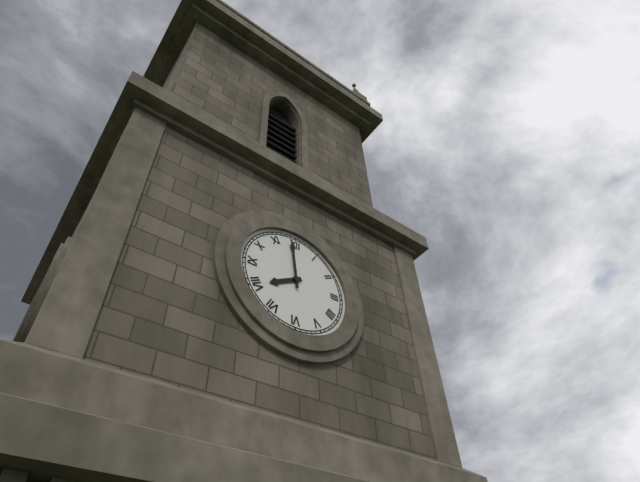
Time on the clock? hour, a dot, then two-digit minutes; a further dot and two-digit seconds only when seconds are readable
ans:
7.59
